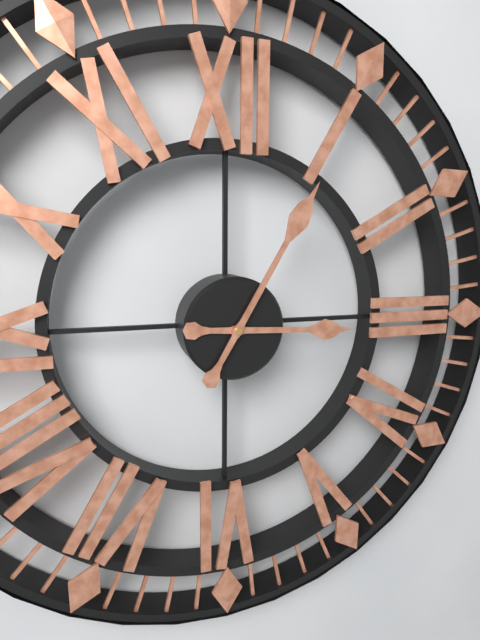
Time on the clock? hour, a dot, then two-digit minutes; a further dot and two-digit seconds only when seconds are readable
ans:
3.05
